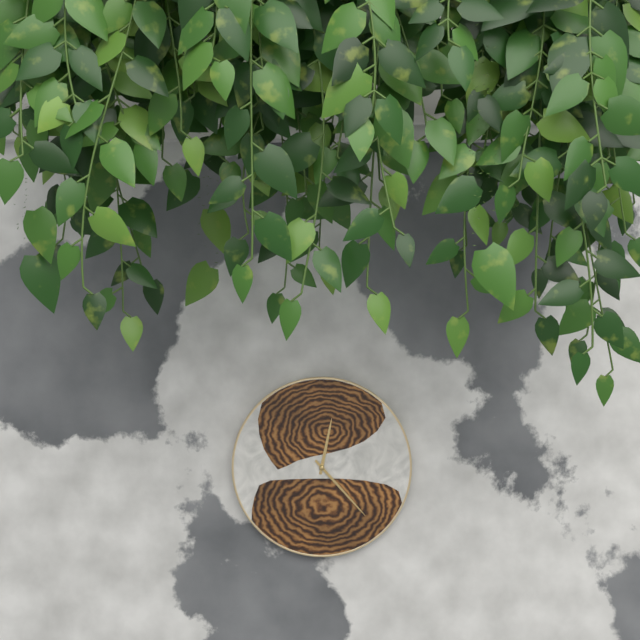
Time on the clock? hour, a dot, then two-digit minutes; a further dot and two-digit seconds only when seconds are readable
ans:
12.23
